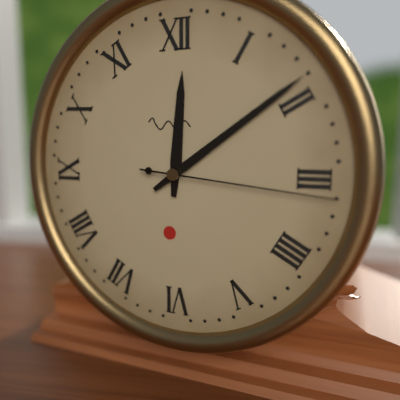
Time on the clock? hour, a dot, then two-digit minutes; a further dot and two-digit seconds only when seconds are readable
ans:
12.09.16
